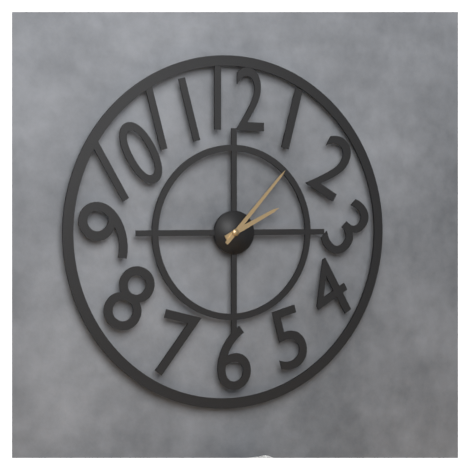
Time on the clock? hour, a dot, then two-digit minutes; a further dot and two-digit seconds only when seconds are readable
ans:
2.07
